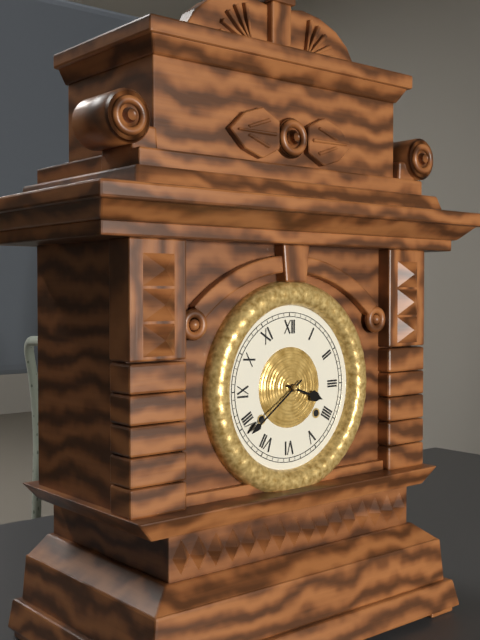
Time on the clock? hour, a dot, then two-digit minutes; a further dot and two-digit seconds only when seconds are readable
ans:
3.39
